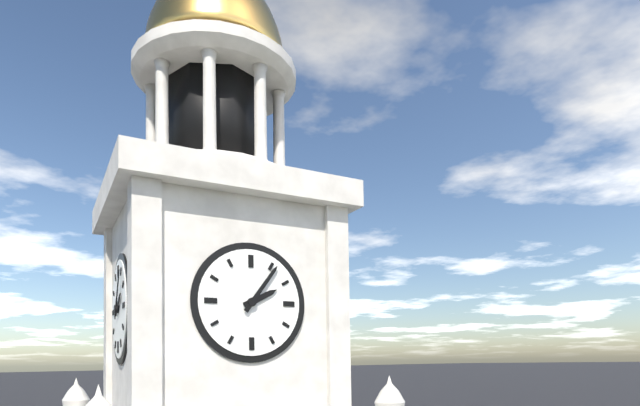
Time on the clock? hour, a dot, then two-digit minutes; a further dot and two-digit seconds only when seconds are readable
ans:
2.06
